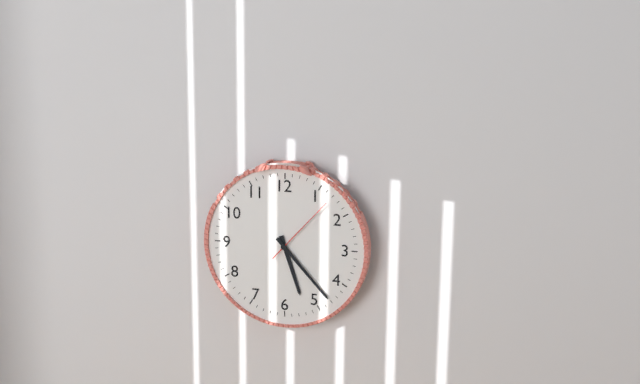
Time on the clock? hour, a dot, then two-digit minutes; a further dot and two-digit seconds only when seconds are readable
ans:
5.23.07
